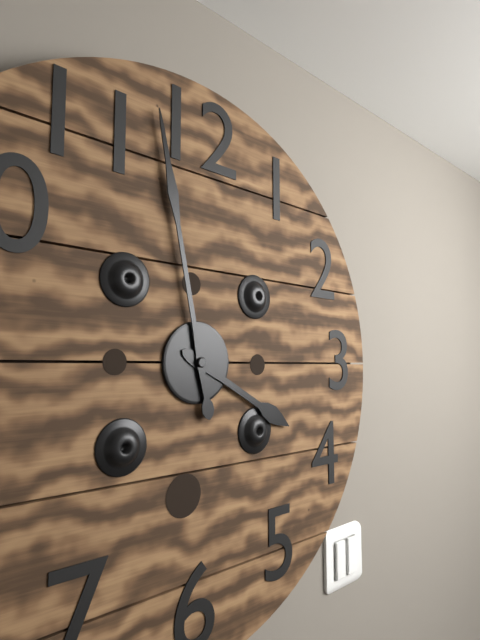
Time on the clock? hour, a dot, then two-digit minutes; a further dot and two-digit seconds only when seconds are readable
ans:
3.58
